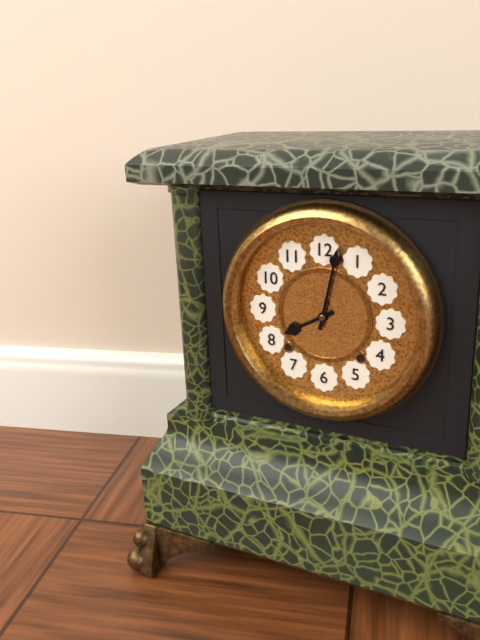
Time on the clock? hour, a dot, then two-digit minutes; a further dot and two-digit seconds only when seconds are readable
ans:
8.02
